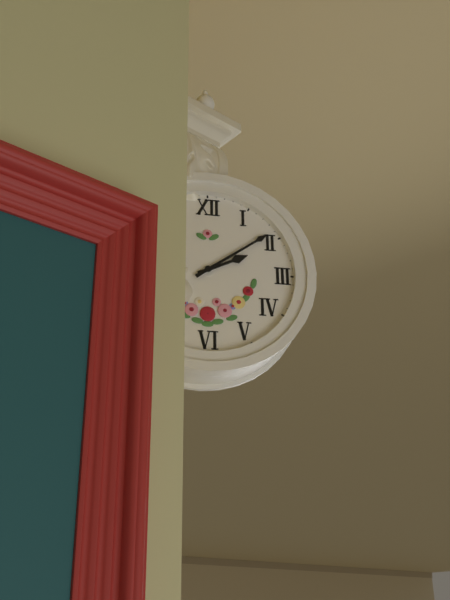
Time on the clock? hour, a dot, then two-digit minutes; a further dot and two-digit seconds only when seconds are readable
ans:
2.09
